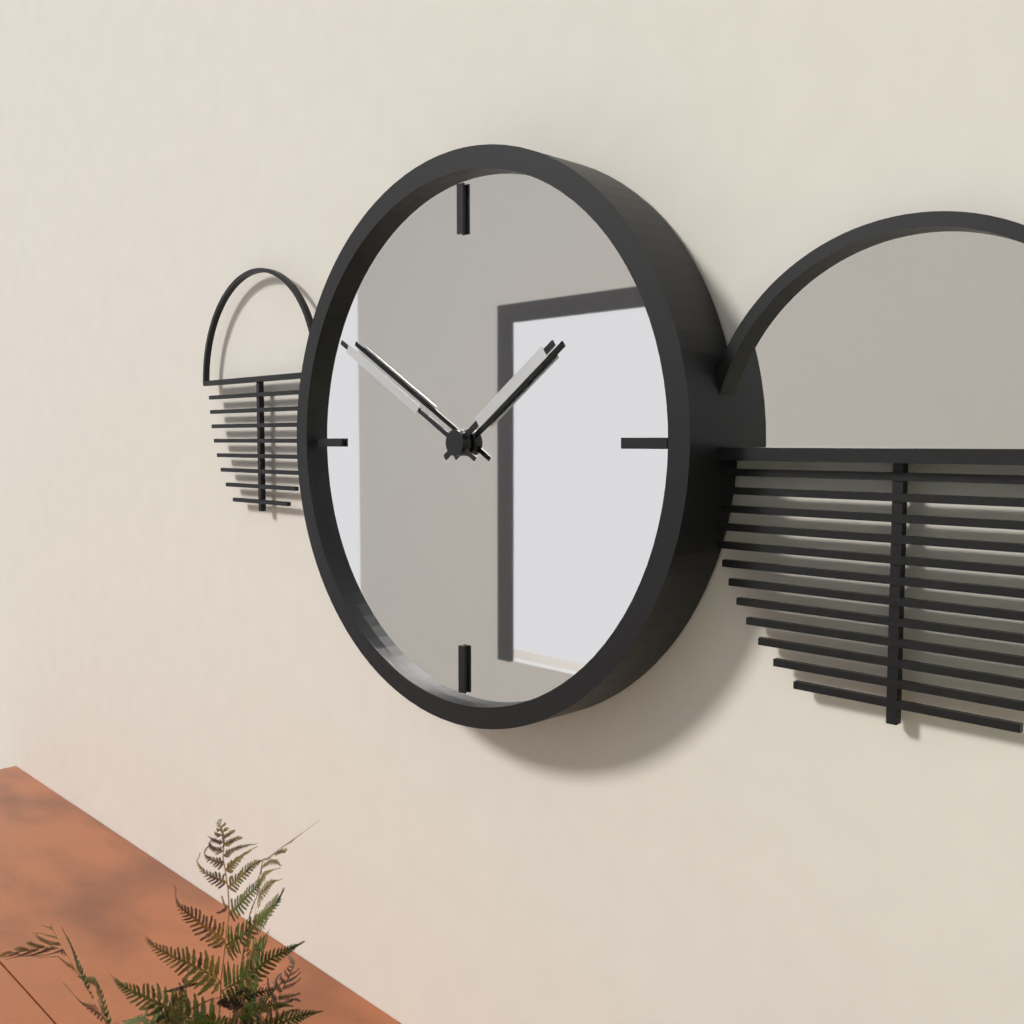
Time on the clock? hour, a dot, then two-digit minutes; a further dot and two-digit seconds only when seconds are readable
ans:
1.50
